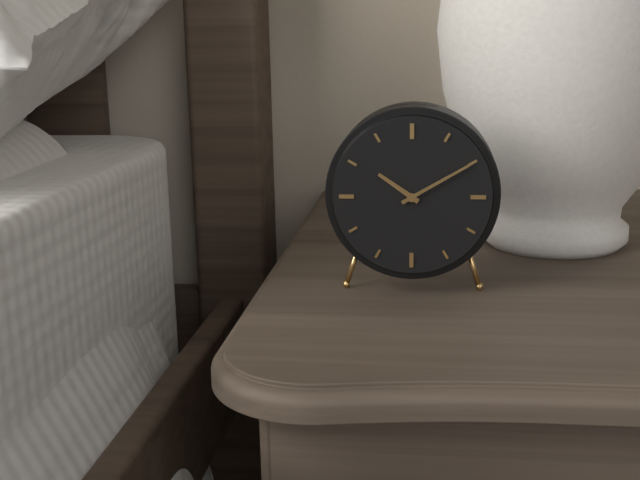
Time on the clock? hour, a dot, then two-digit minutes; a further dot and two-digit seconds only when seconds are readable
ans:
10.10
